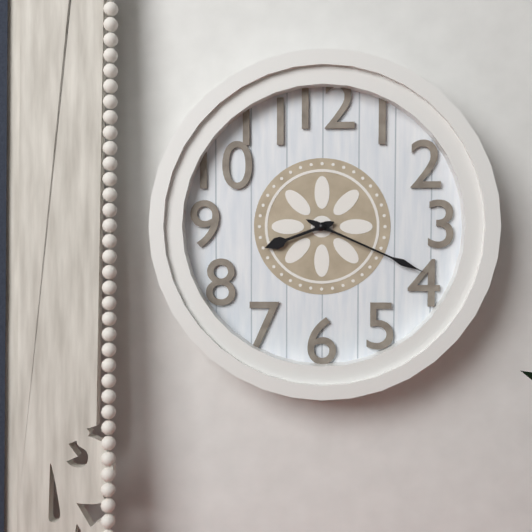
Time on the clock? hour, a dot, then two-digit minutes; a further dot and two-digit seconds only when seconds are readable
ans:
8.19
